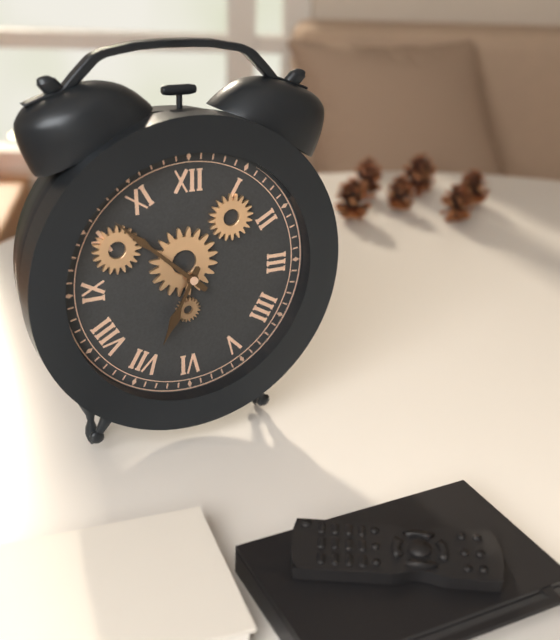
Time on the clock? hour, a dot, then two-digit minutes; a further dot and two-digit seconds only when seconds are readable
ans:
6.52
